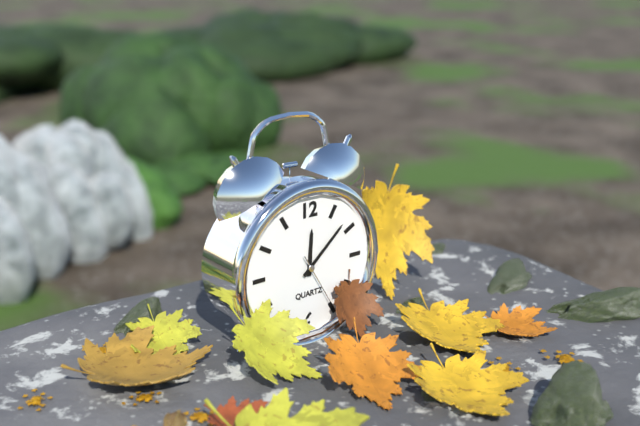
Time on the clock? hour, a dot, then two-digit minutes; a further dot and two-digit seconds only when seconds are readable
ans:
12.08.25
